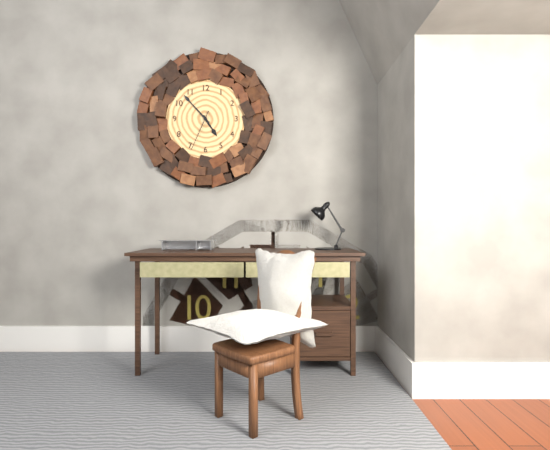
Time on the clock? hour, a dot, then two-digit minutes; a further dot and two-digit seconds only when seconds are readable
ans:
4.53
